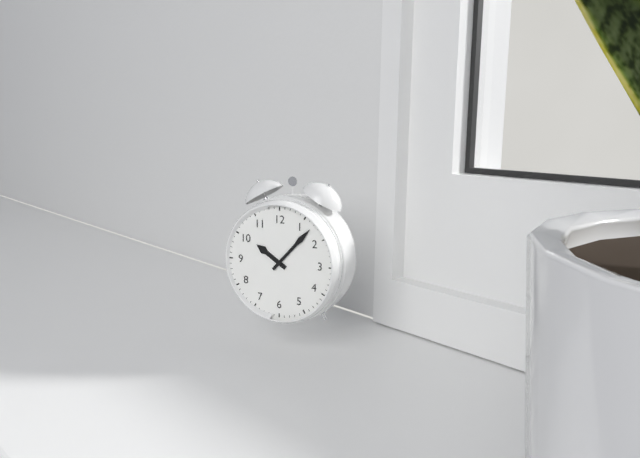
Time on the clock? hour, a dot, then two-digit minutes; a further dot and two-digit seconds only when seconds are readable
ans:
10.07
